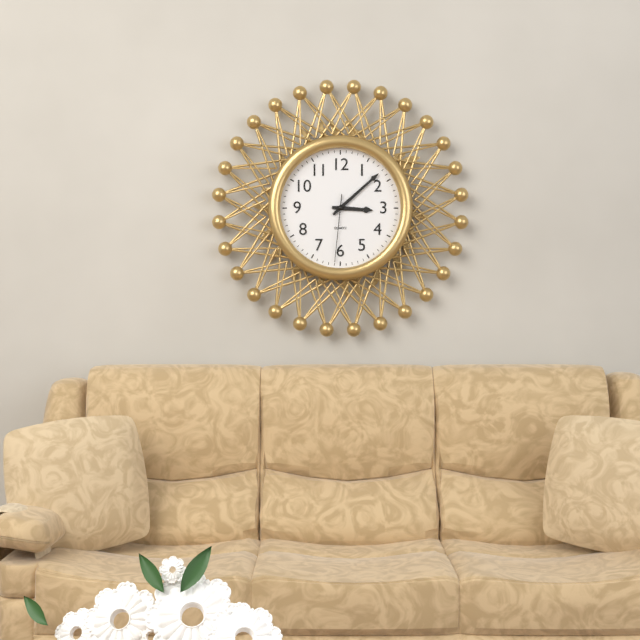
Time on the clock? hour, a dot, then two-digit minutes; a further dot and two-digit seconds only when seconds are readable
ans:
3.08.31
